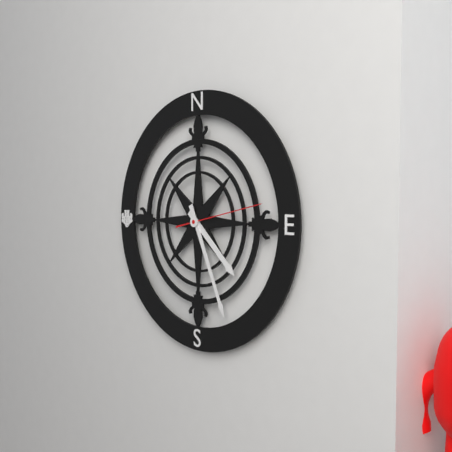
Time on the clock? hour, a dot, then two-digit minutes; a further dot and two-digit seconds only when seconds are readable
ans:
4.26.13
